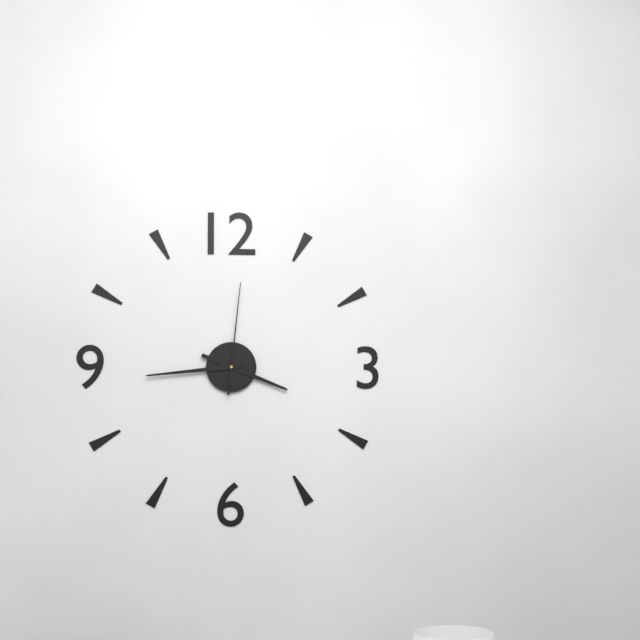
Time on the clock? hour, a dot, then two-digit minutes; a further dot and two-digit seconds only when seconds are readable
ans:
3.44.01
